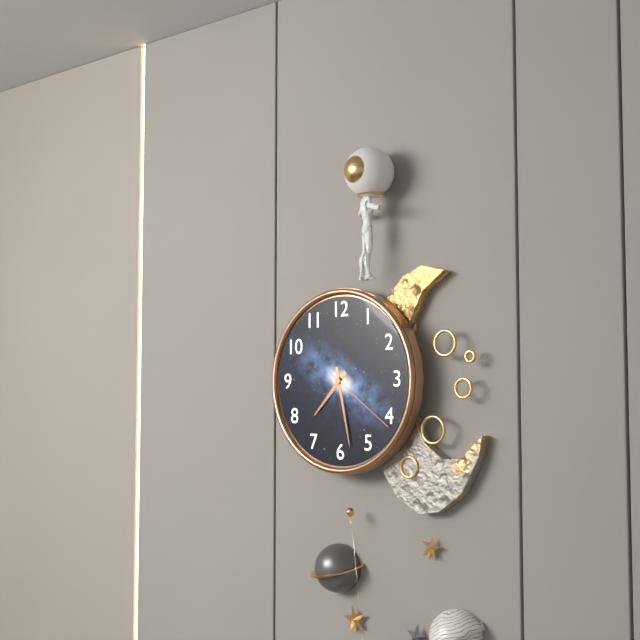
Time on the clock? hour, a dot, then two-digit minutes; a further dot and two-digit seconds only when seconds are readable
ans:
7.28.21
